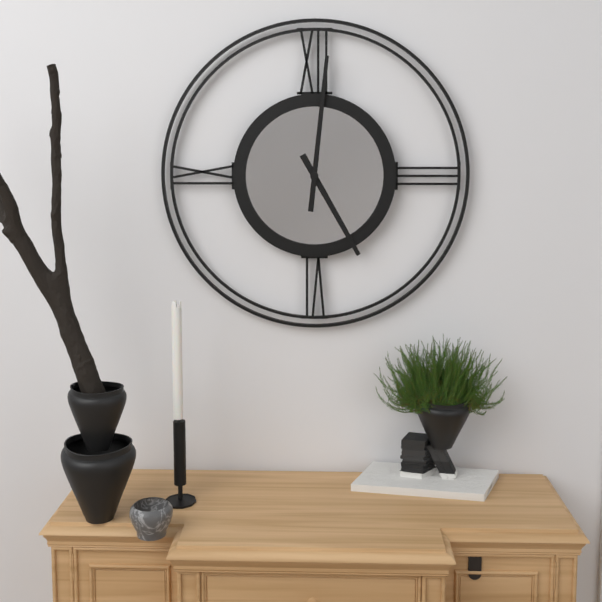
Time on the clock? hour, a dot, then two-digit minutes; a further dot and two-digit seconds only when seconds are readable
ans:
5.01
